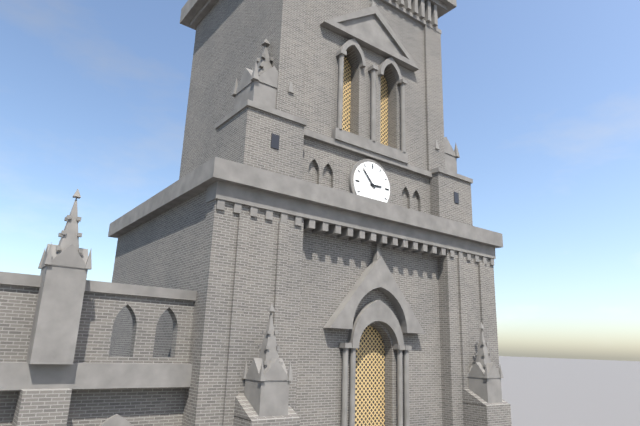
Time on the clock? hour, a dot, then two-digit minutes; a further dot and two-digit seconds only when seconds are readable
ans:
2.53
